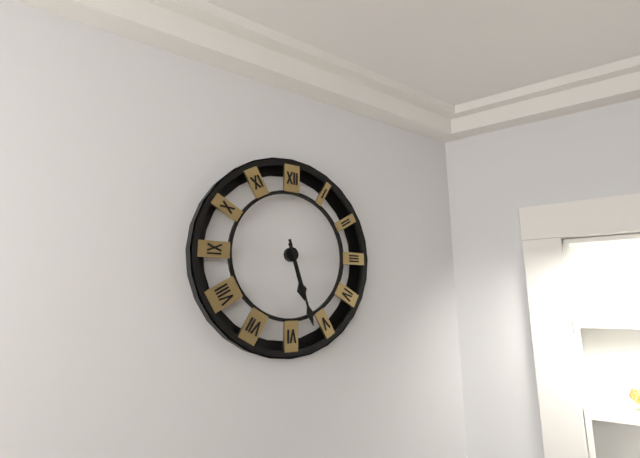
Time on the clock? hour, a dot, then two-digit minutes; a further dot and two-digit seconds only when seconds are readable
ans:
5.27
